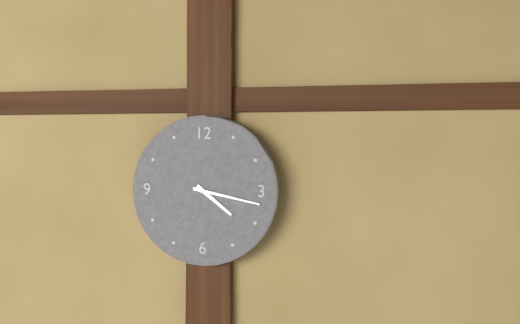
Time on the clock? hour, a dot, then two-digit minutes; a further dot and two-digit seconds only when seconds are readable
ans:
4.17
